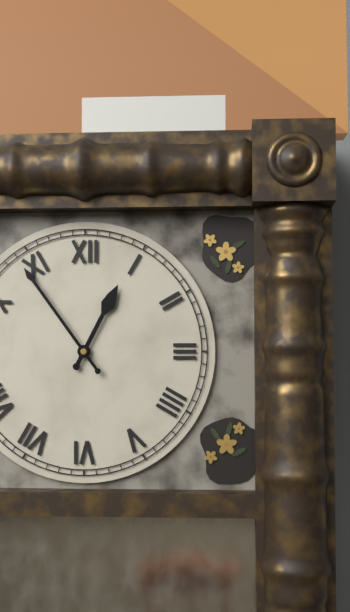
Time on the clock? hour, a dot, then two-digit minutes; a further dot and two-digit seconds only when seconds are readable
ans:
12.54
